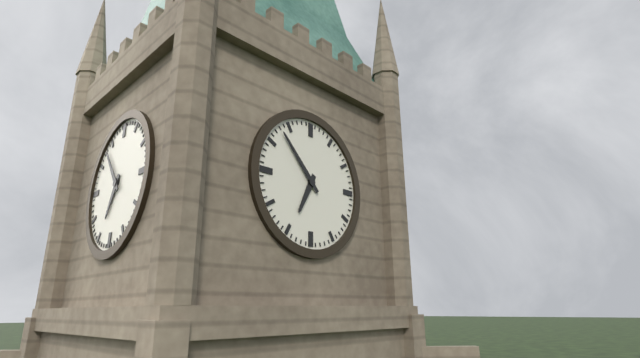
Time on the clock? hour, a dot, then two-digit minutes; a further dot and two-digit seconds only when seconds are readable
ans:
6.53
